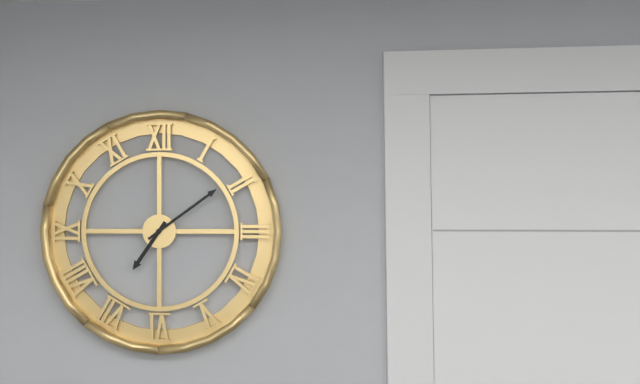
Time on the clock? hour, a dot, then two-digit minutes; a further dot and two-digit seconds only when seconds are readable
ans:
7.09
